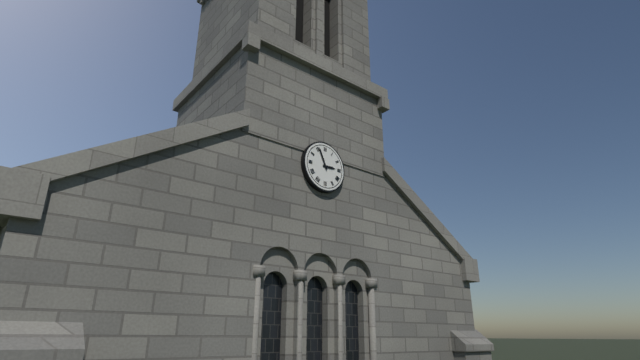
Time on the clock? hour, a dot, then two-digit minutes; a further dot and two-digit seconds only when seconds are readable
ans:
2.56
